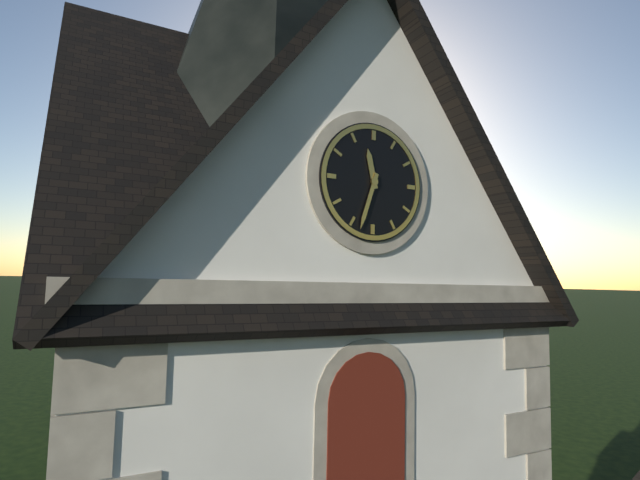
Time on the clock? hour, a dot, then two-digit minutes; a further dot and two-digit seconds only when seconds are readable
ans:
11.33
